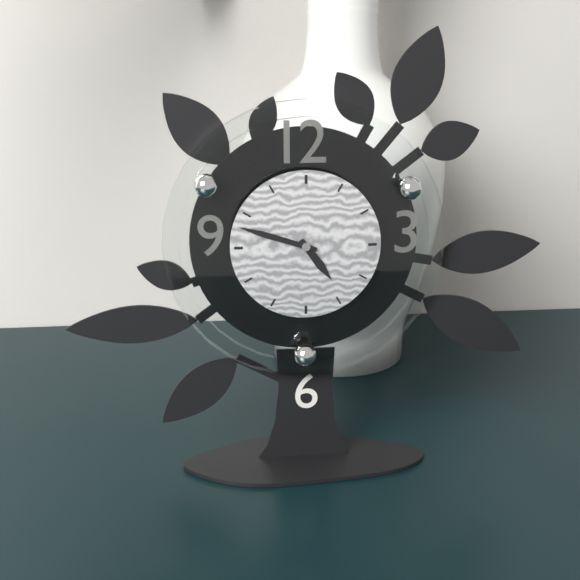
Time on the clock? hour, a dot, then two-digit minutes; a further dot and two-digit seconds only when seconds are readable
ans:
4.48
